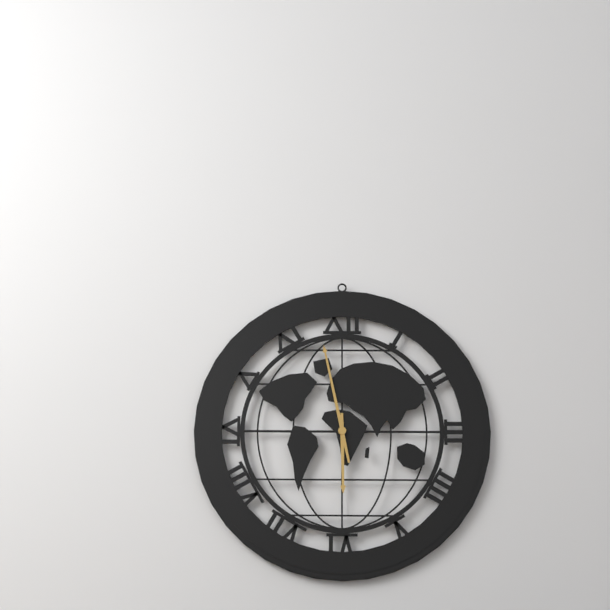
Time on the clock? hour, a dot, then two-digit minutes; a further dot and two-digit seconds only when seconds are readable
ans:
5.58
